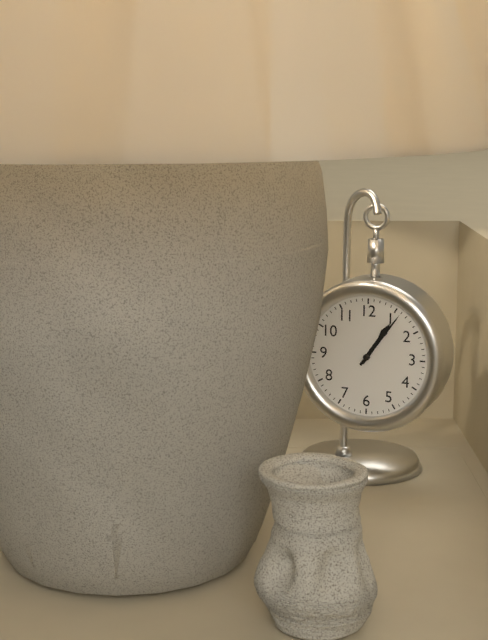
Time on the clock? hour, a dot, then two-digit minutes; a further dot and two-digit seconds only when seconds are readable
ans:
1.06
